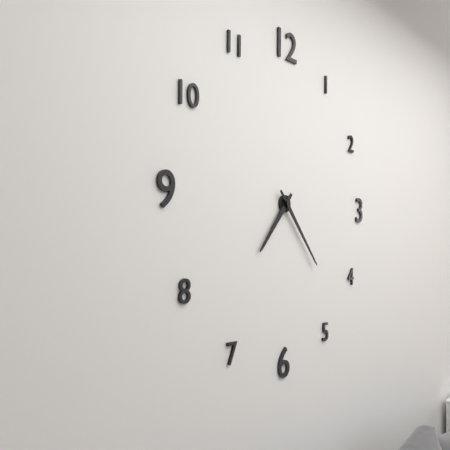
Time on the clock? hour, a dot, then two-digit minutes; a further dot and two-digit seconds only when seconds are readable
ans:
7.23
